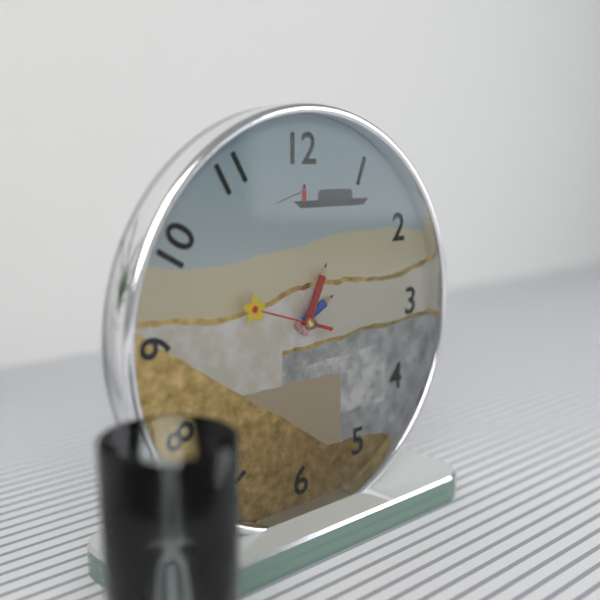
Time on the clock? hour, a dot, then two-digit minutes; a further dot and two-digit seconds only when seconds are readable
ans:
2.04.48
